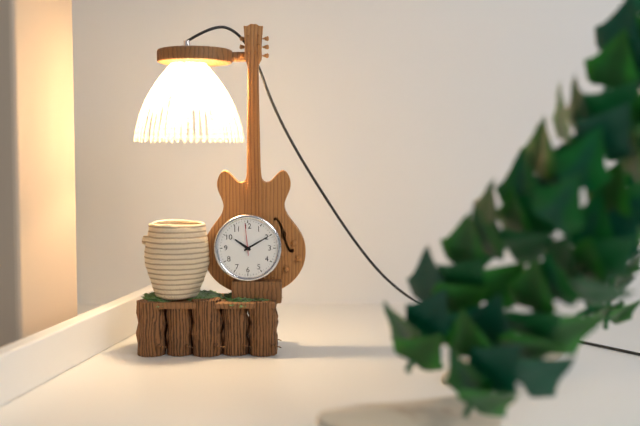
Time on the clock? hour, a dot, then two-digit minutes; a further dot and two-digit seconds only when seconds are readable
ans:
10.10
